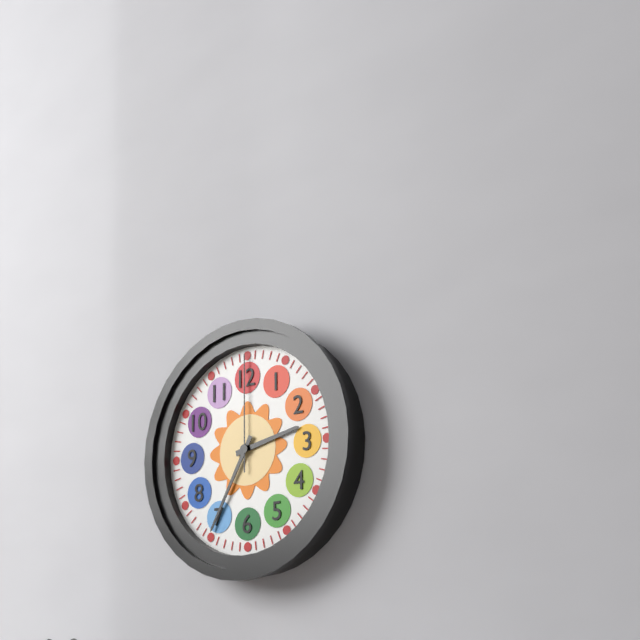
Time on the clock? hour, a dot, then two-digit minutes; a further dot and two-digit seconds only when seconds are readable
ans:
2.35.00
